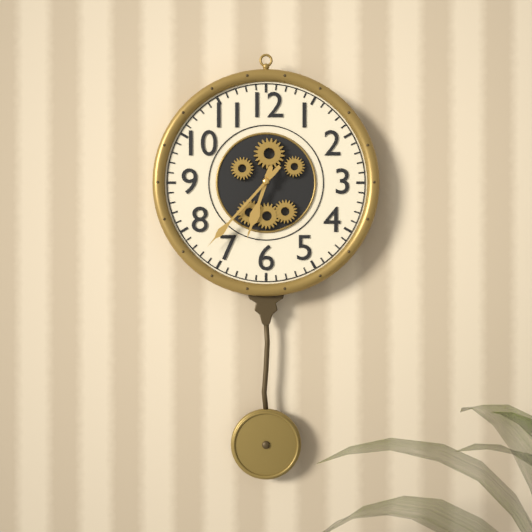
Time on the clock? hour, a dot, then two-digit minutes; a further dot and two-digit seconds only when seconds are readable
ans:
6.37
